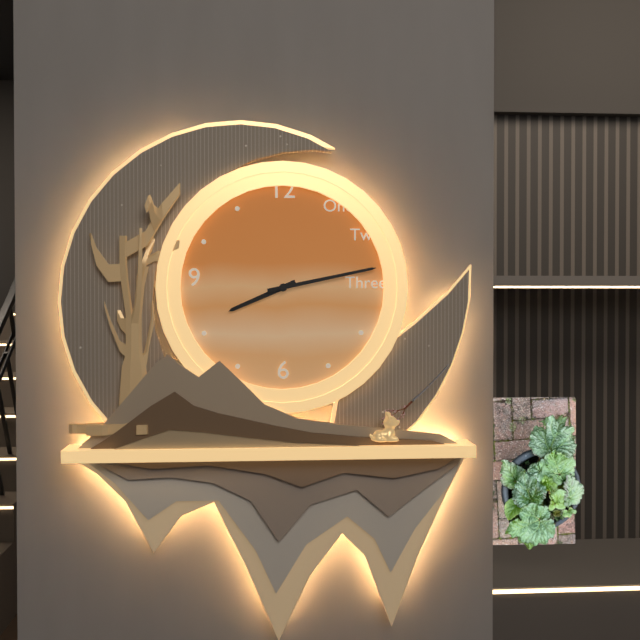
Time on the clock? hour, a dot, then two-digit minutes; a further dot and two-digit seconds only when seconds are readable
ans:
8.13
